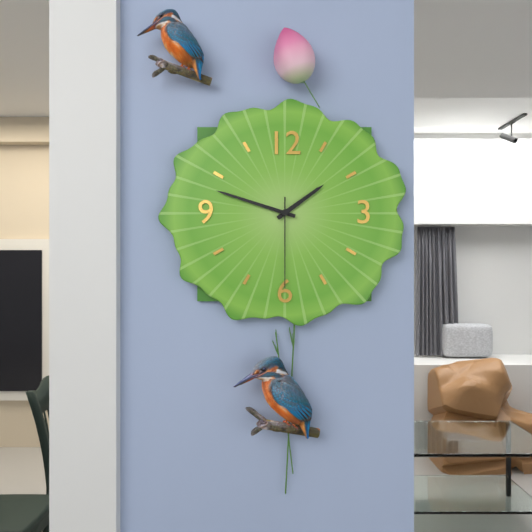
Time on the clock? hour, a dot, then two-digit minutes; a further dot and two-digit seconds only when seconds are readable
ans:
1.48.30
